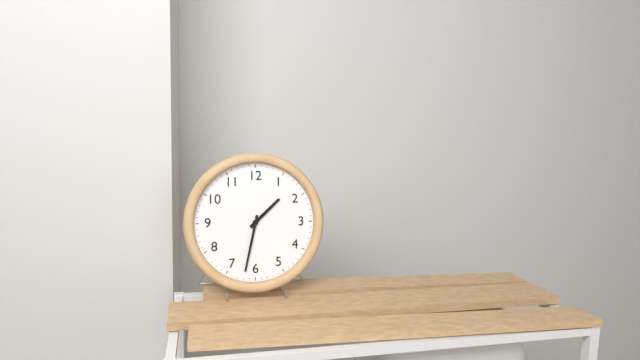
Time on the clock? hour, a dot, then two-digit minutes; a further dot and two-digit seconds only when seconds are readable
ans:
1.32
